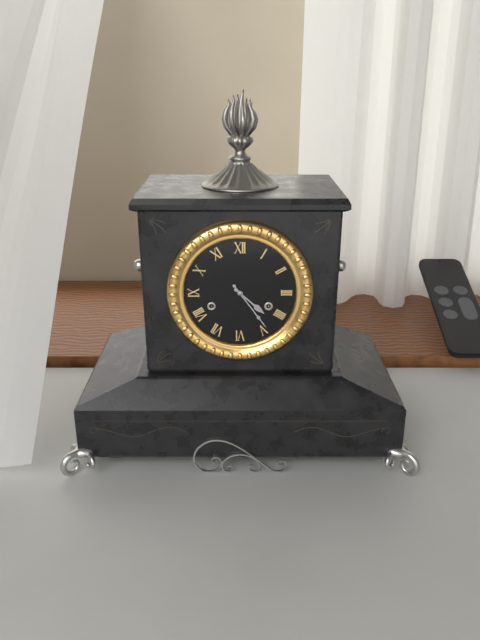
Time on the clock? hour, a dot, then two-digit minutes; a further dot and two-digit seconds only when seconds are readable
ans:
4.24
